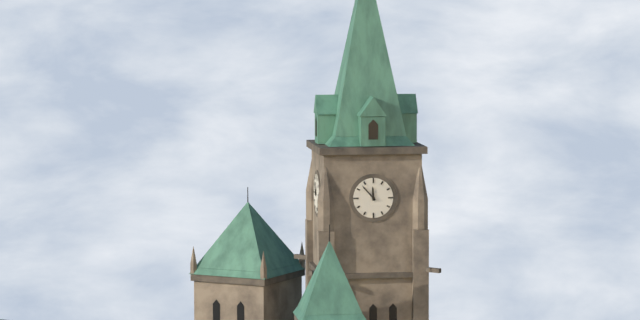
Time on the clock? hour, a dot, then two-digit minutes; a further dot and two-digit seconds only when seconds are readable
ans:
11.53
